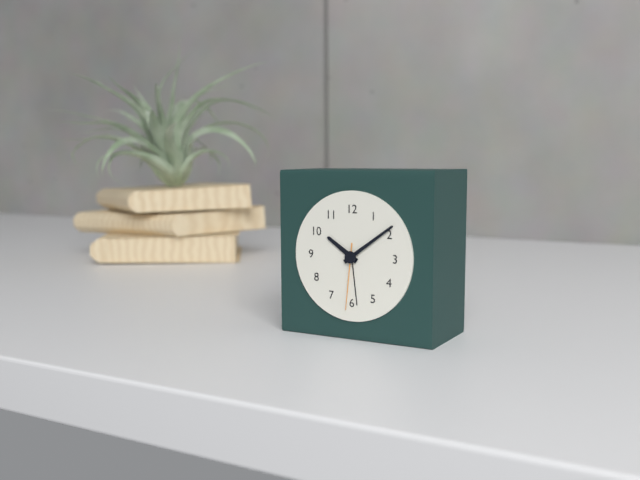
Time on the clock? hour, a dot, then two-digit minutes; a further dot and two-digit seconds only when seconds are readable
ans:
10.09.31
